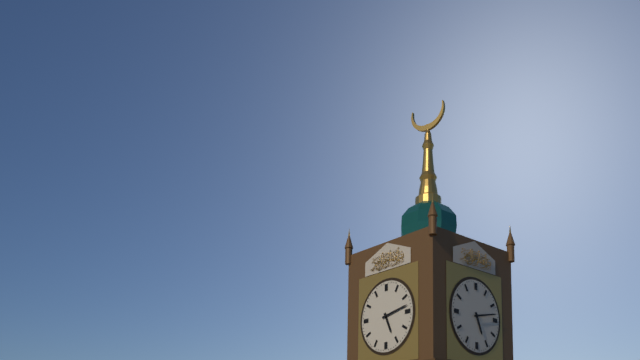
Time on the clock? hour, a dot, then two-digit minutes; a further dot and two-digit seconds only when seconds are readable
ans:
5.13
